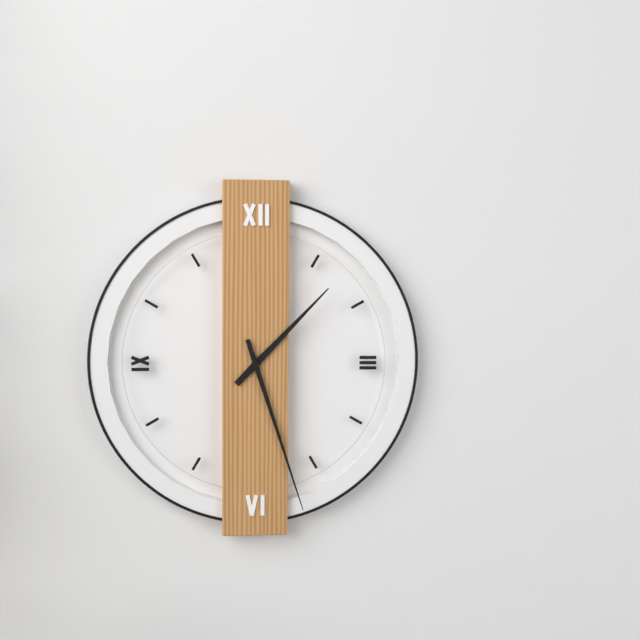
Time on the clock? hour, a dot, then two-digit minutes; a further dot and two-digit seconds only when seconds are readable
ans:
1.27
